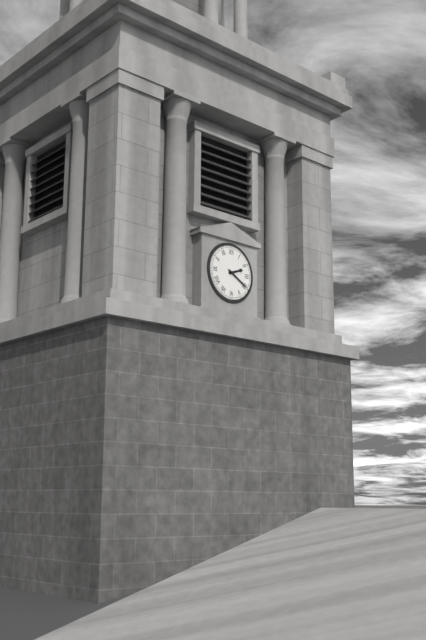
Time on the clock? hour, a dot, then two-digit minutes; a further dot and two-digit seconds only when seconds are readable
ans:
2.20
